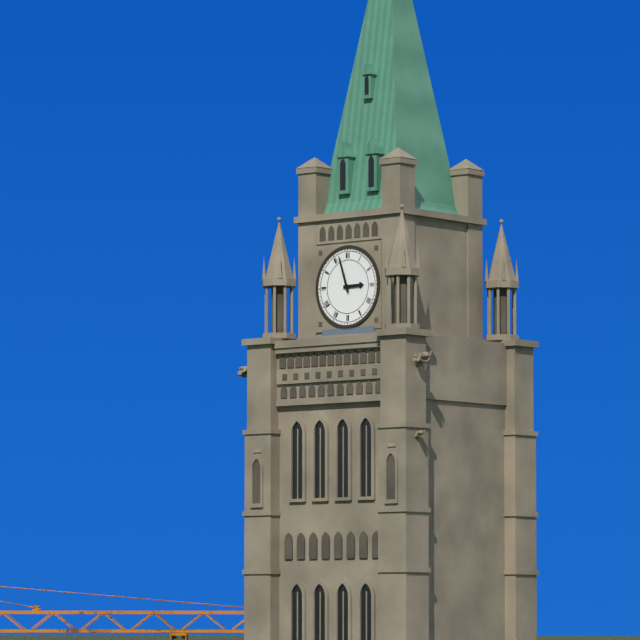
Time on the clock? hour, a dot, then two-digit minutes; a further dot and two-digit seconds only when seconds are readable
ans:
2.57
